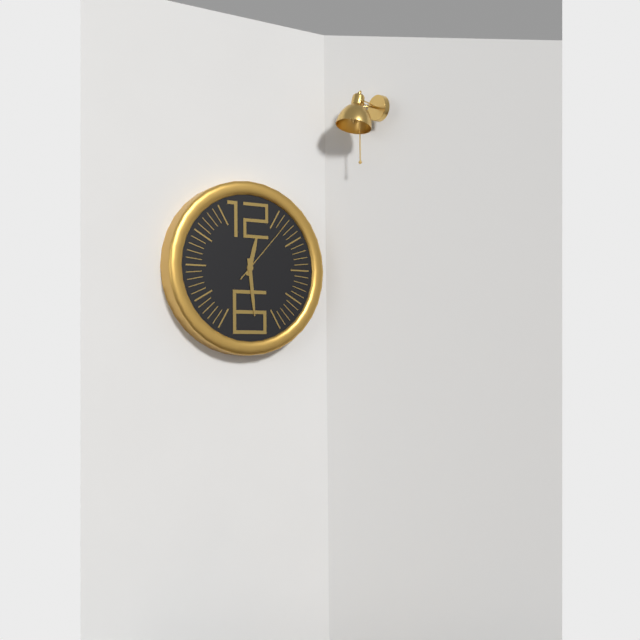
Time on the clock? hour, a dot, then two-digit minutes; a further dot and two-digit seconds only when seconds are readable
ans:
12.29.07
